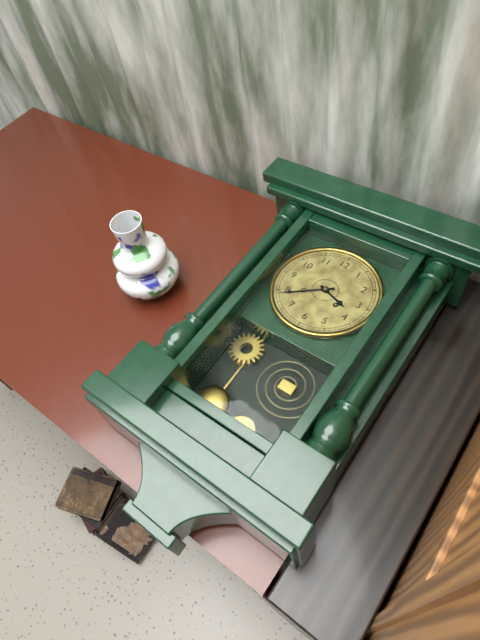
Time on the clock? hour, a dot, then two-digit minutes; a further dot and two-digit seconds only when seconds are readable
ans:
3.39
